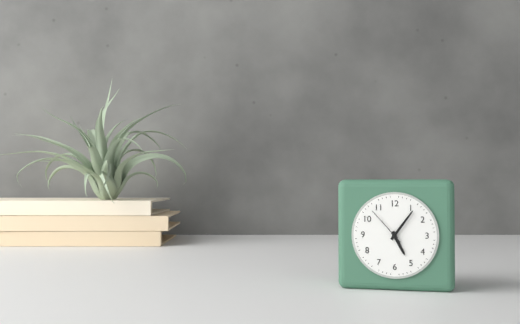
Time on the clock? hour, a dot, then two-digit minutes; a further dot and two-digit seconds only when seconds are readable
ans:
5.06
